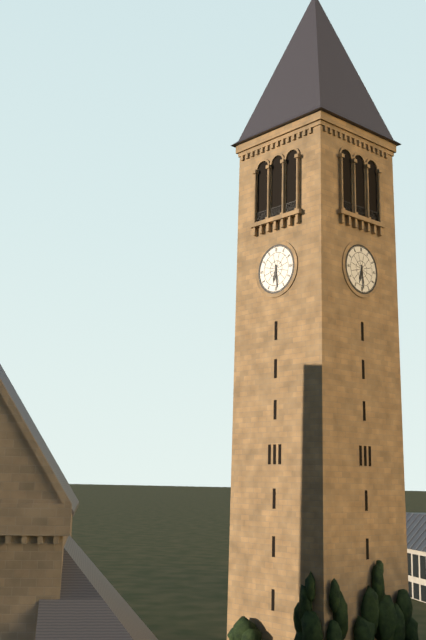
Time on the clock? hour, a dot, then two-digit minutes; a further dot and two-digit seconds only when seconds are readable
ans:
6.29
